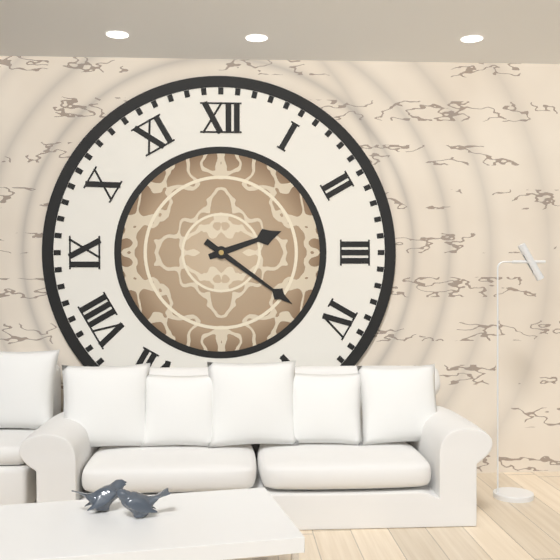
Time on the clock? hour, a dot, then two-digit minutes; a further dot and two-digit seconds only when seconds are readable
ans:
2.21
